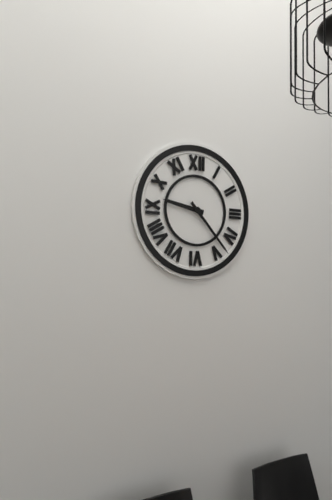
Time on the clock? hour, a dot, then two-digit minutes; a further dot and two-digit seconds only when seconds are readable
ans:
9.23
